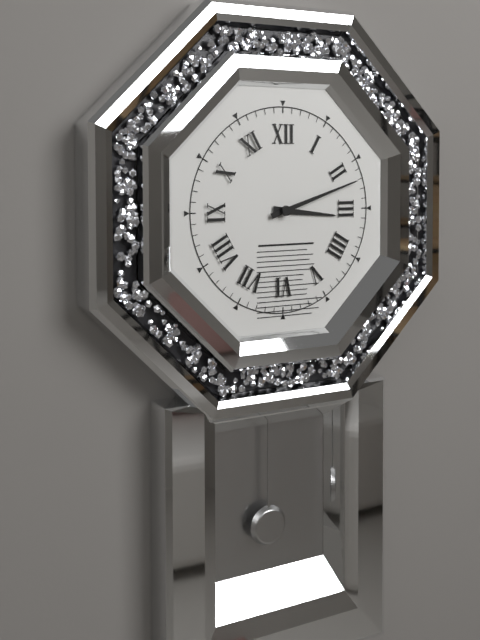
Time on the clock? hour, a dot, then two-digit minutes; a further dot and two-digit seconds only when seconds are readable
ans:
3.12
